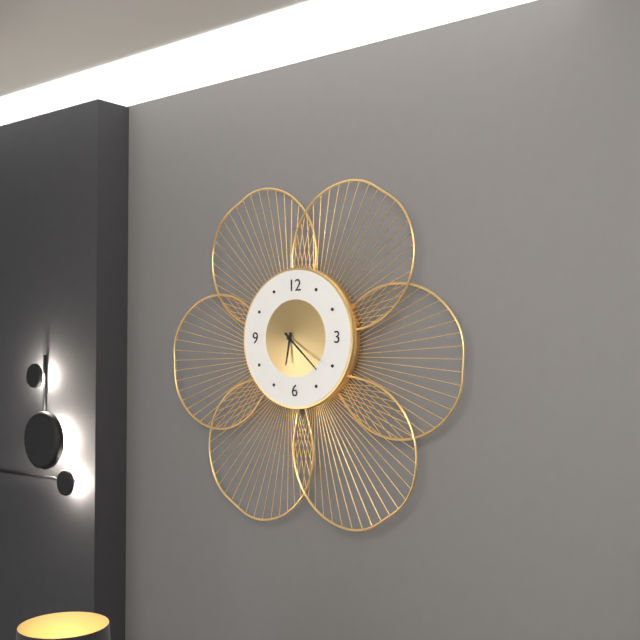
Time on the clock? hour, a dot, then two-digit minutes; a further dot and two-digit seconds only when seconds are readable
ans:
6.22
